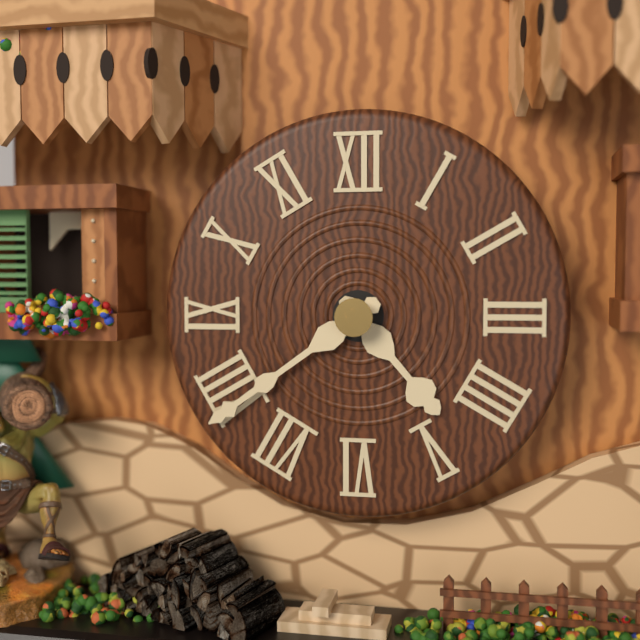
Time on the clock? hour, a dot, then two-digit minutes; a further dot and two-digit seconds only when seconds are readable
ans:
4.39
